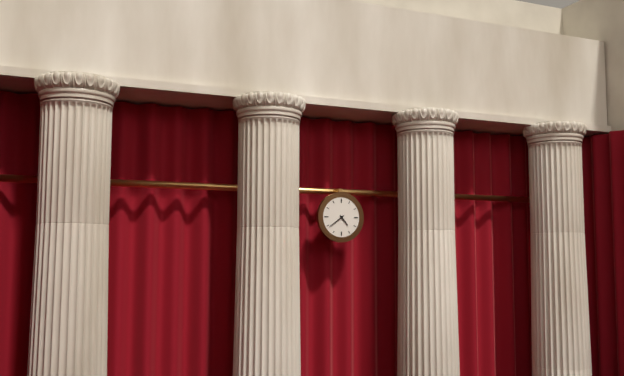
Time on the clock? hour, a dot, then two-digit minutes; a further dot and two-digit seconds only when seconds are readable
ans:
4.39
